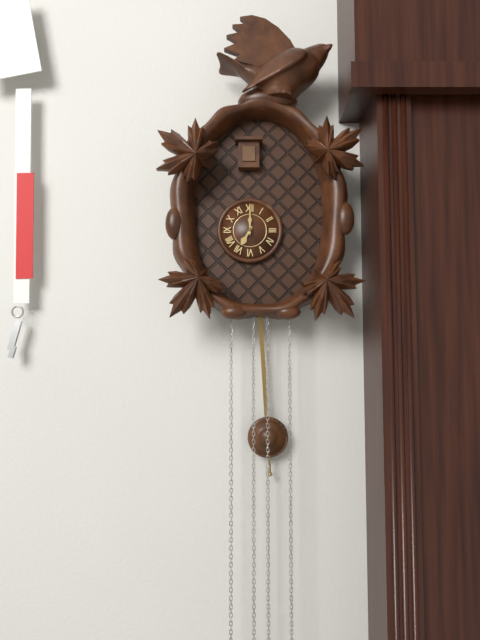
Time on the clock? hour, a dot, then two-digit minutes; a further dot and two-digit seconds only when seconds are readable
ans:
7.00
